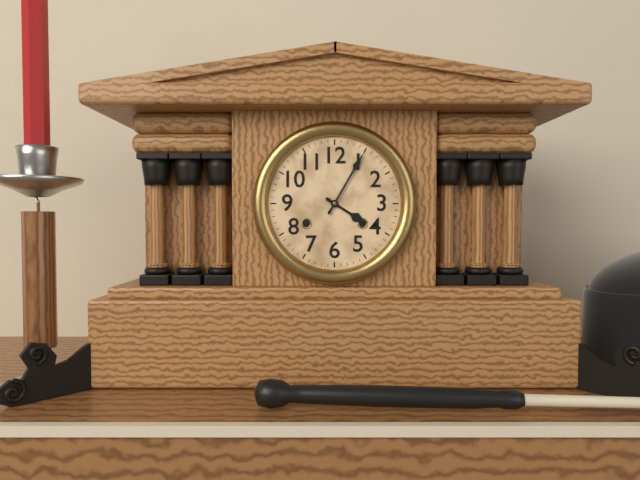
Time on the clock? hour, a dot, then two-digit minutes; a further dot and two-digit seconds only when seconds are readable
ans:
4.05
